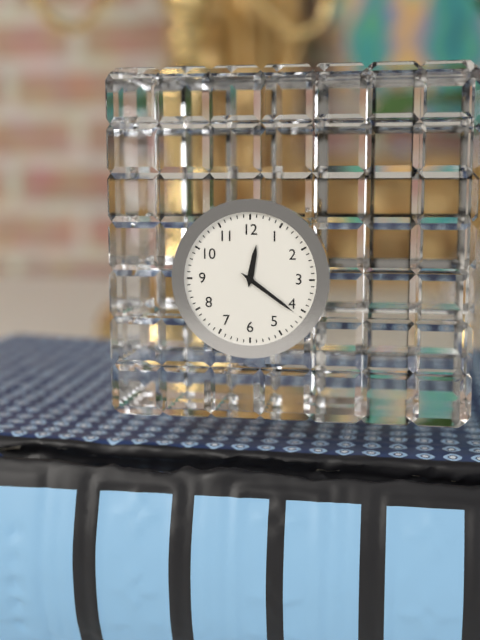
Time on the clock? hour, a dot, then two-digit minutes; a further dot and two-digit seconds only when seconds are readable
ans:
12.21
